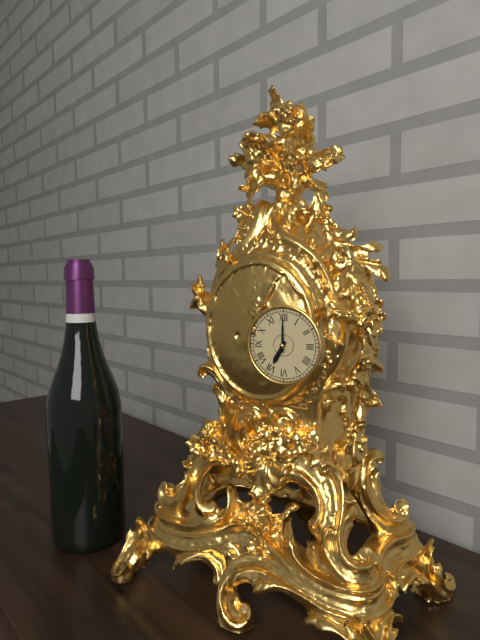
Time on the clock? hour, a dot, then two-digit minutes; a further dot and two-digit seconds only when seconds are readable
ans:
7.00
